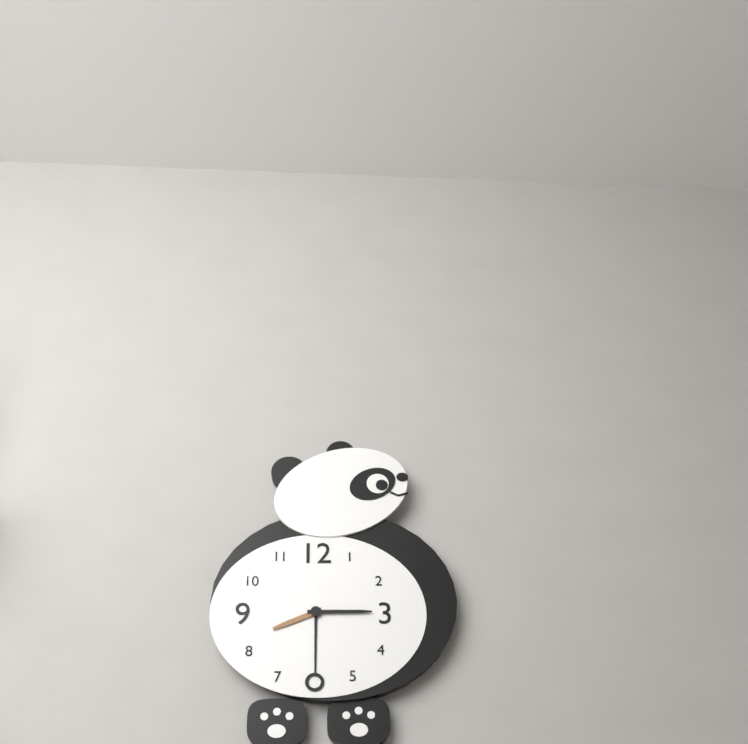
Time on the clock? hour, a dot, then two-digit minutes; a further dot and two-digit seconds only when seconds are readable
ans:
8.15
